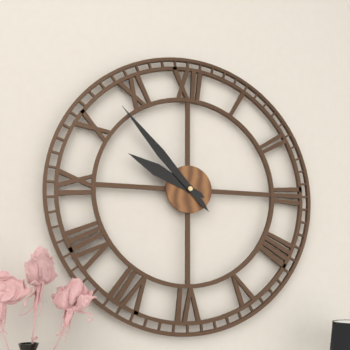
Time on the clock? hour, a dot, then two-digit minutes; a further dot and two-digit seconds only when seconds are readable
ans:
9.53
